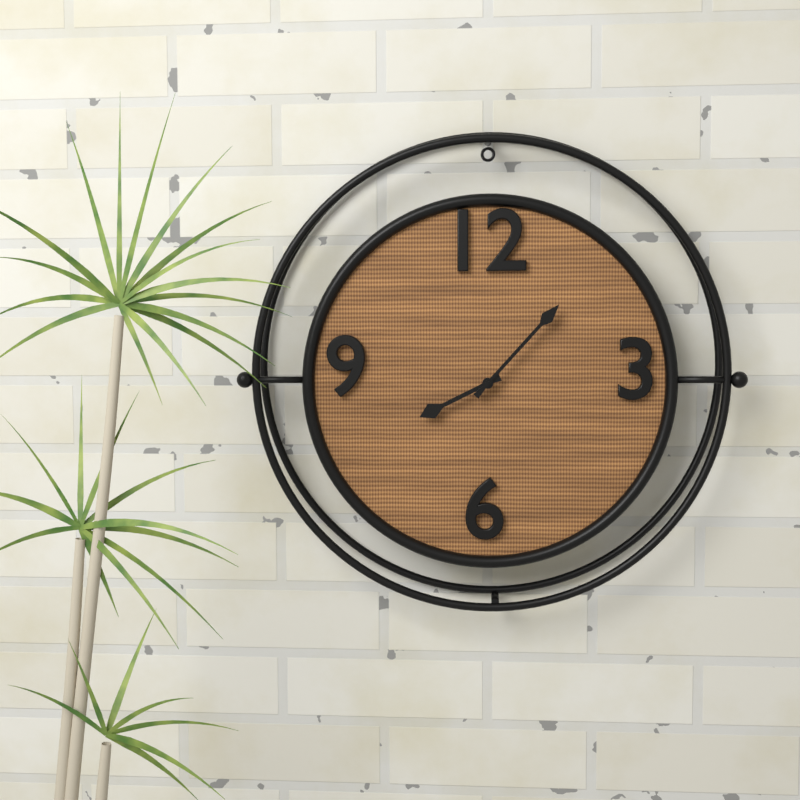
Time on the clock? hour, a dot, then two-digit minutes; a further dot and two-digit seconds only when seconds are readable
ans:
8.07
